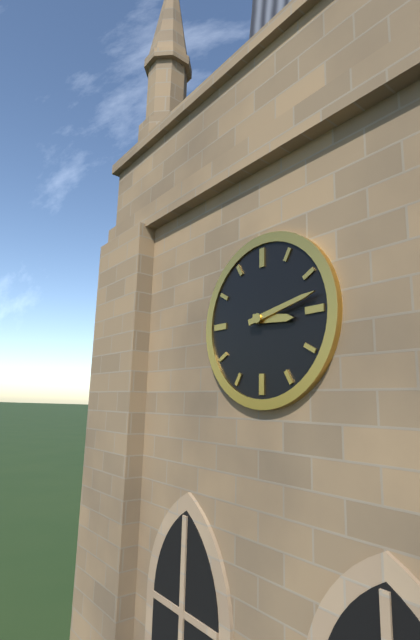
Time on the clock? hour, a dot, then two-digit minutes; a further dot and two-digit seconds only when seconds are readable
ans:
3.13
